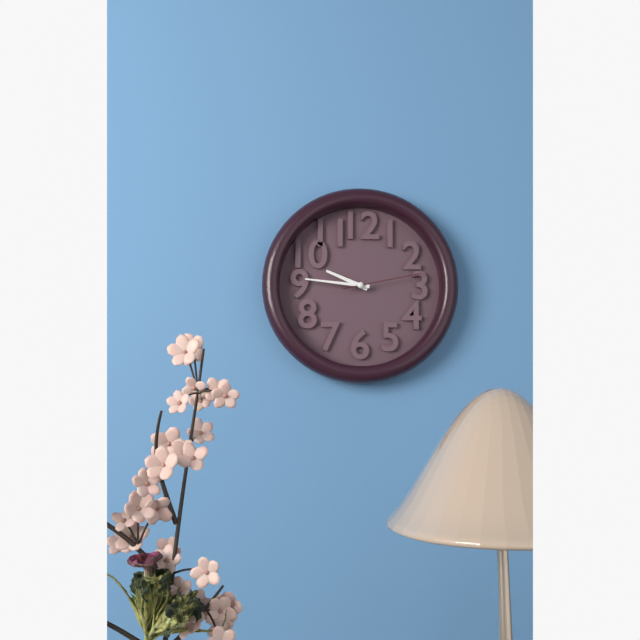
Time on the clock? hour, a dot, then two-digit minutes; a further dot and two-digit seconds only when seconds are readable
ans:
9.46.13
